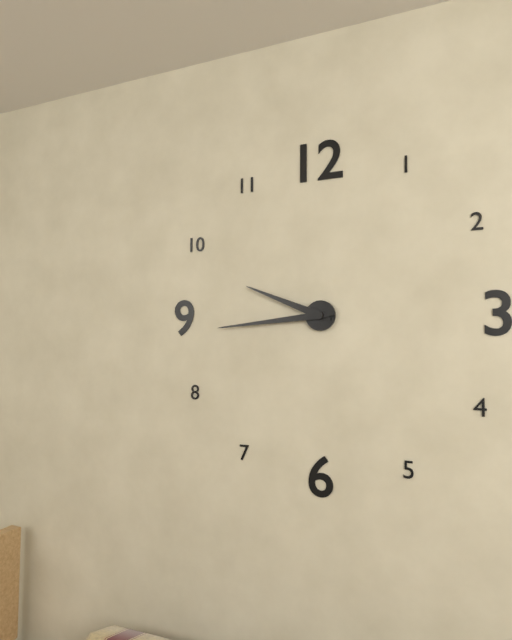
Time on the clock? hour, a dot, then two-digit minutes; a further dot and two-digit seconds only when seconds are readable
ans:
9.44
